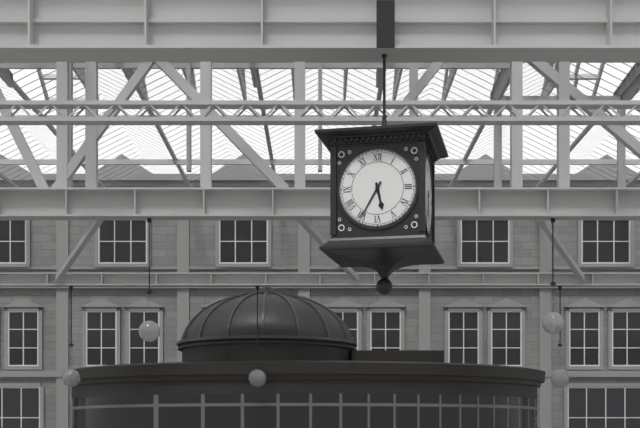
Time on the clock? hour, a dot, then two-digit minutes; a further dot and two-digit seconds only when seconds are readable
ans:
5.35
